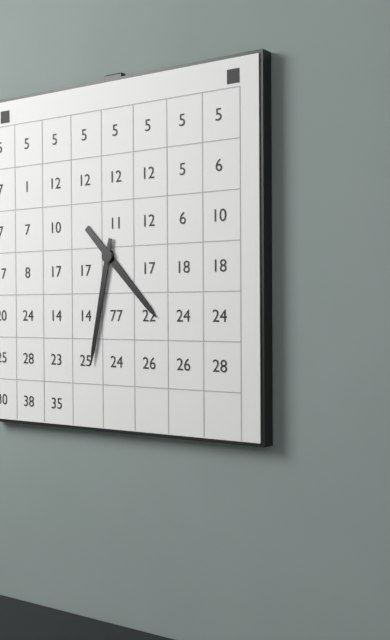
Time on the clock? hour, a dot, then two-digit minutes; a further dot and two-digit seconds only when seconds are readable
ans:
4.32
